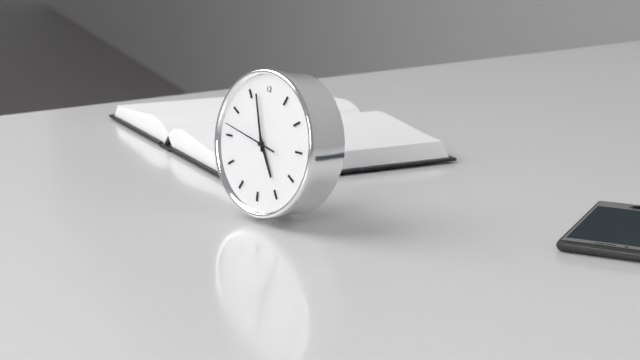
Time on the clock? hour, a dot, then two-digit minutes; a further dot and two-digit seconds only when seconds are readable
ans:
4.57.47
